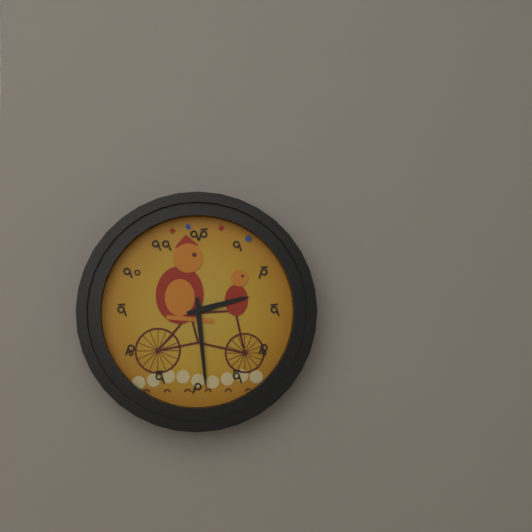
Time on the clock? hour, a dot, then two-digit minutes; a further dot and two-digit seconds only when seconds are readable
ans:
2.29
